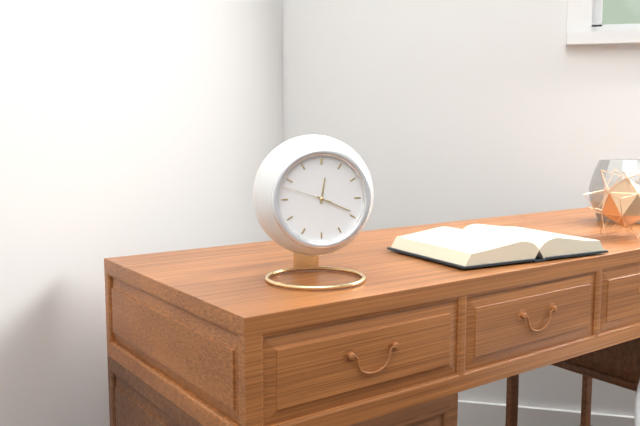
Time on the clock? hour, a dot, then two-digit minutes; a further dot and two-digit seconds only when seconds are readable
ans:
12.19.48
